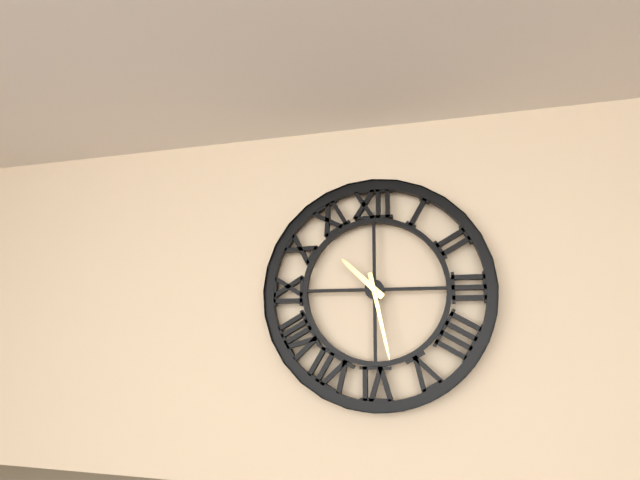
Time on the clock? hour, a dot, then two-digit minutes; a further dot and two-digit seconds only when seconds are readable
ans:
10.28
